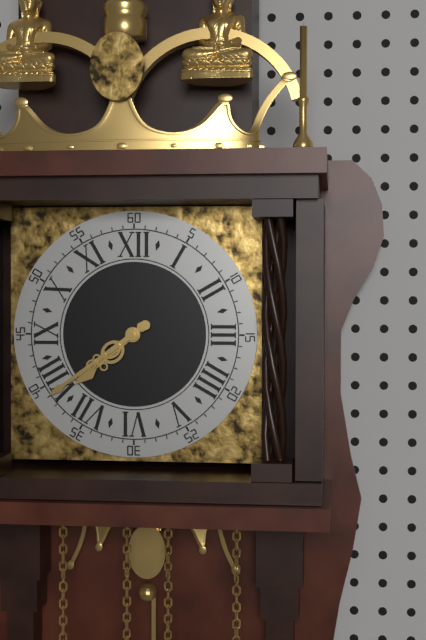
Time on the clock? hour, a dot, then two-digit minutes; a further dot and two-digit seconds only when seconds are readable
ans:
7.39
